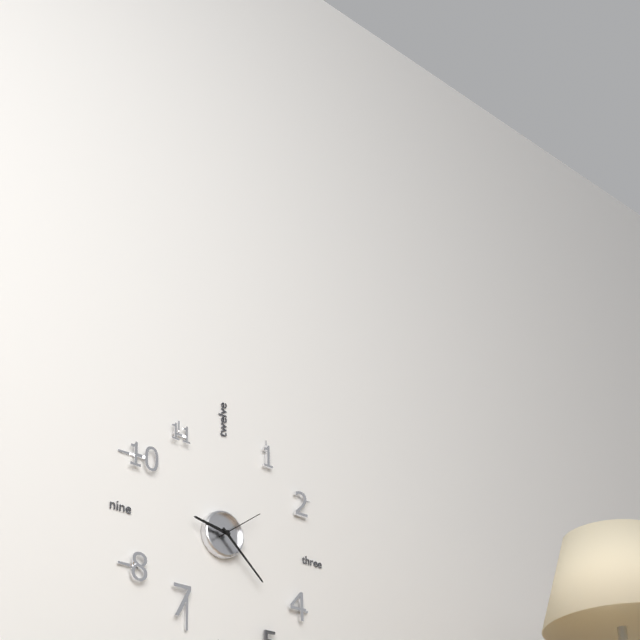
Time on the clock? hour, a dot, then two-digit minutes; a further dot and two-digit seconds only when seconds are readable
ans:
9.22
